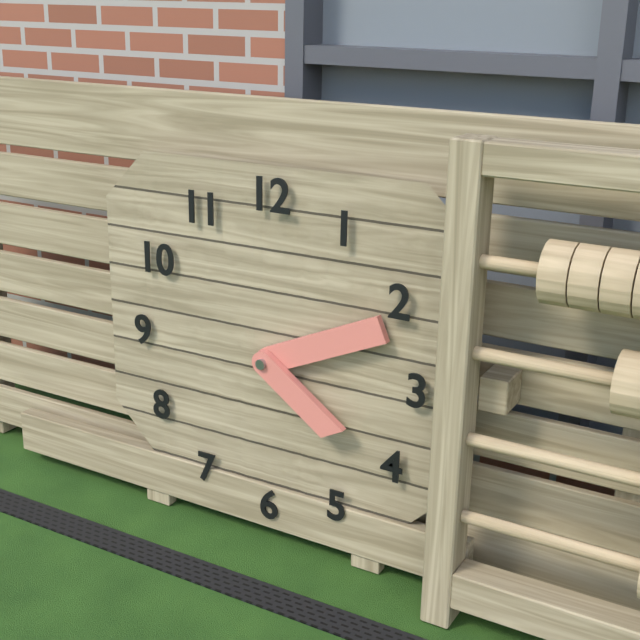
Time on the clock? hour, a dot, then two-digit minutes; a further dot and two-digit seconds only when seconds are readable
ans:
4.11
